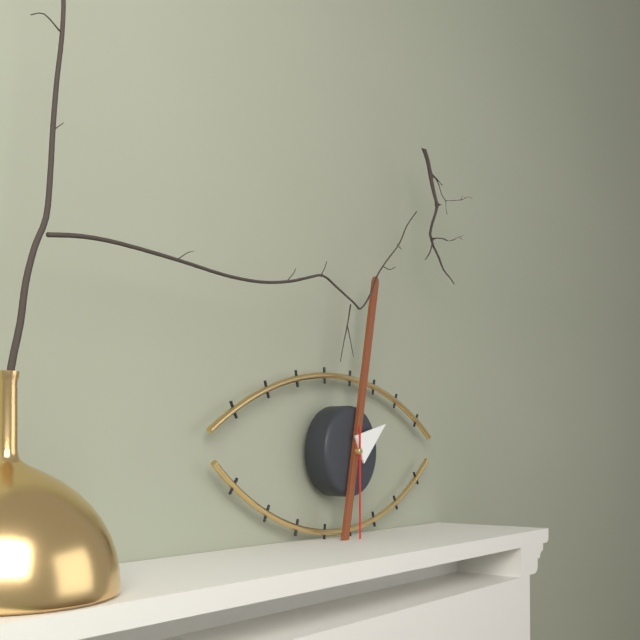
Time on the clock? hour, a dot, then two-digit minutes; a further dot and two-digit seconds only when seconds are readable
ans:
2.02
